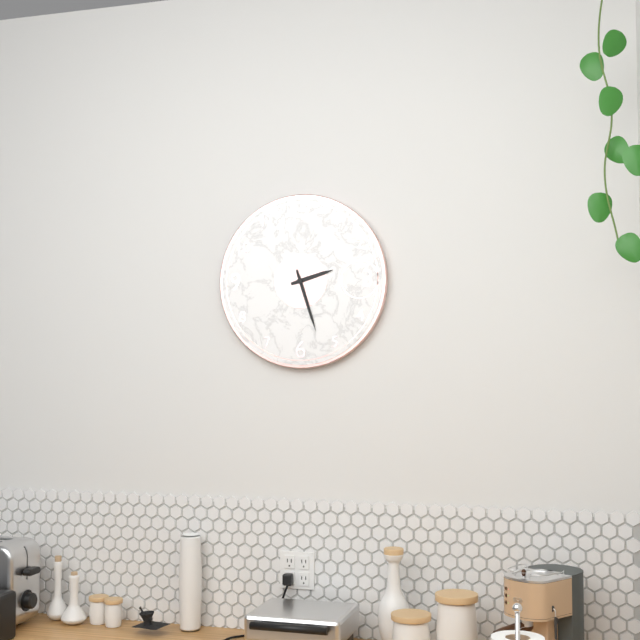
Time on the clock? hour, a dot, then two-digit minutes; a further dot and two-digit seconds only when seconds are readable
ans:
2.27
